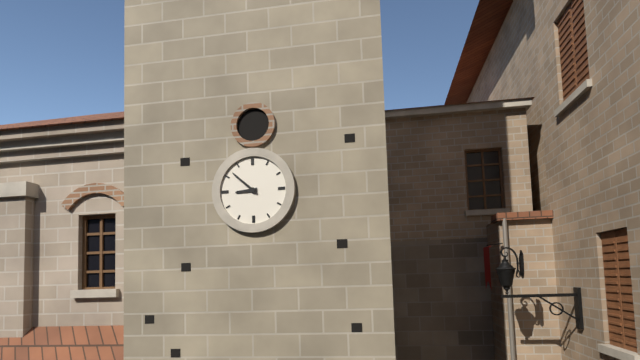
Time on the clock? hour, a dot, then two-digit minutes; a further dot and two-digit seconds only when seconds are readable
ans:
8.52
